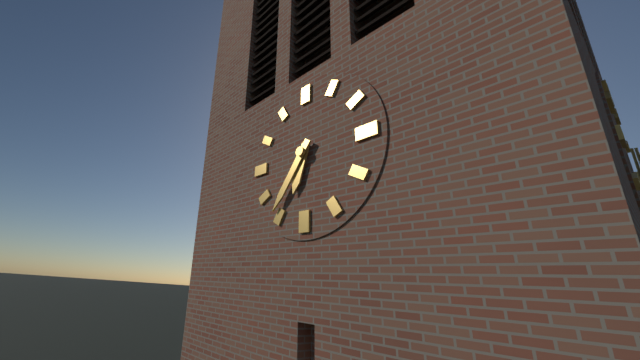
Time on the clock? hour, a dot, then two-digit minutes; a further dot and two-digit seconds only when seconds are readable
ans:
6.36
